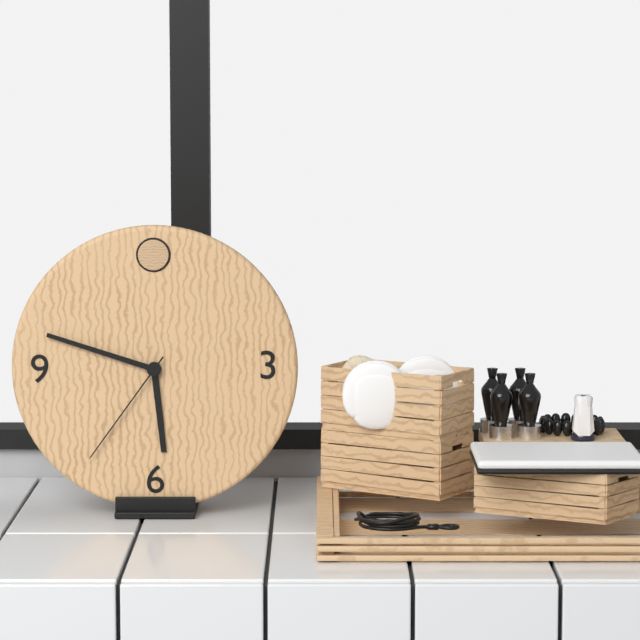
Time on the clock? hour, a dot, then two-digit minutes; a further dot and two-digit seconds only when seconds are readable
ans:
5.48.36
